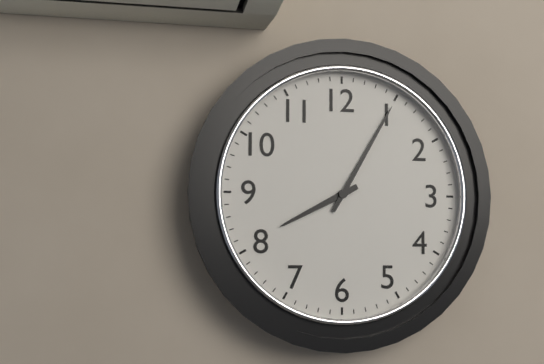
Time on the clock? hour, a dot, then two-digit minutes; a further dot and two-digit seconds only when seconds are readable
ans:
8.05
